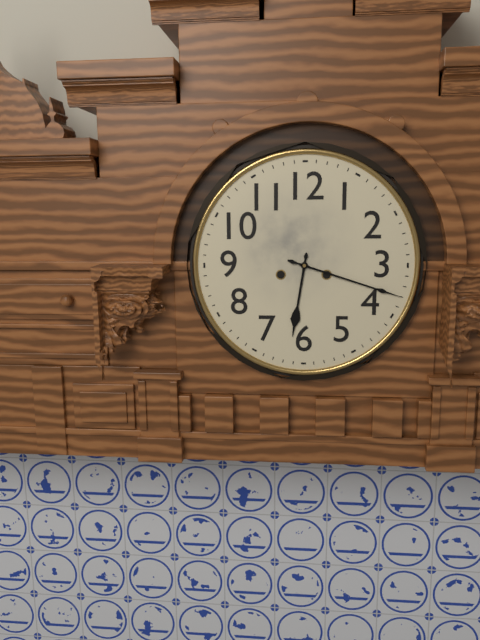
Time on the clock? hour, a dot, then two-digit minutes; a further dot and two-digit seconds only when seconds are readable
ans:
6.18
